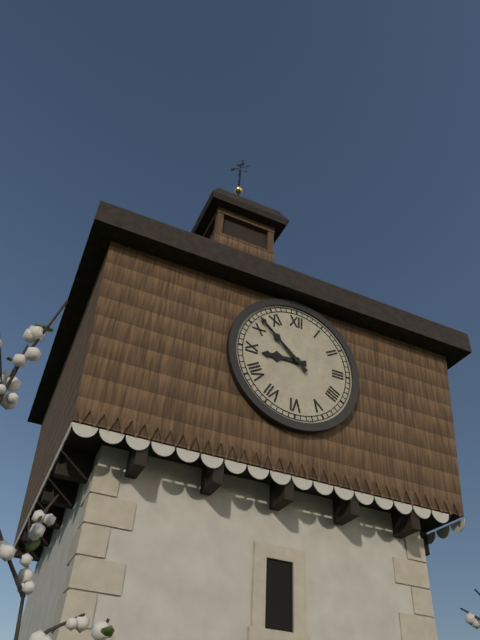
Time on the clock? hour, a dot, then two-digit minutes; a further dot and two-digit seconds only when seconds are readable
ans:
8.52
